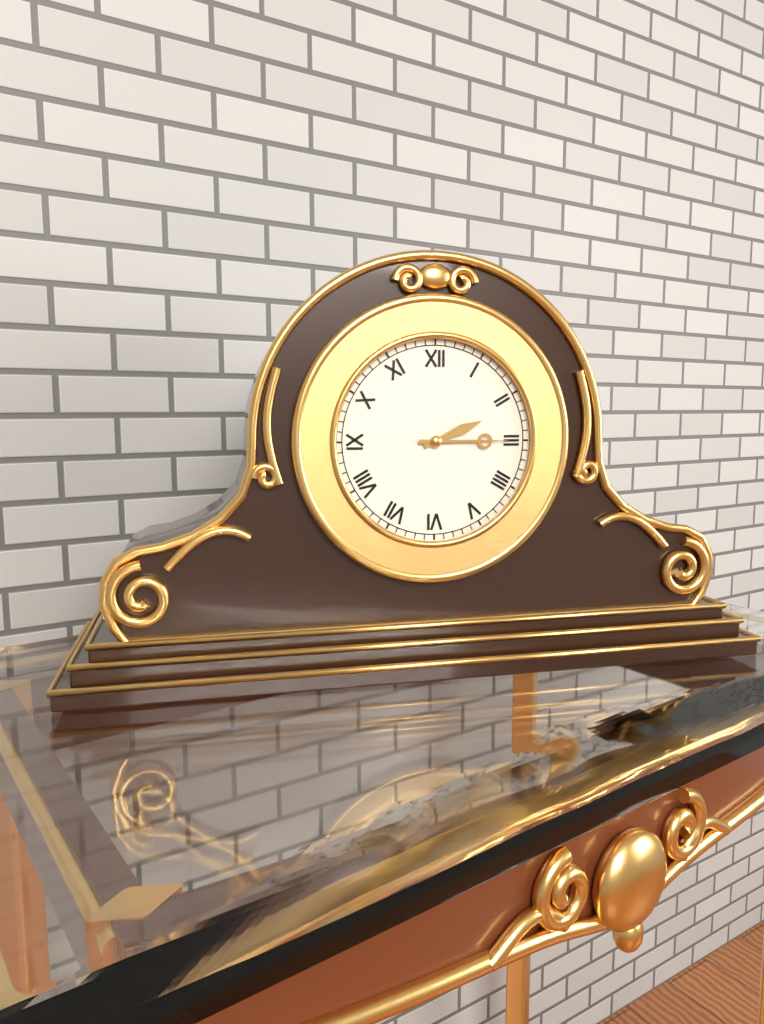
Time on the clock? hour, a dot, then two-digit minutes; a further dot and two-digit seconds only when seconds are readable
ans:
2.15
